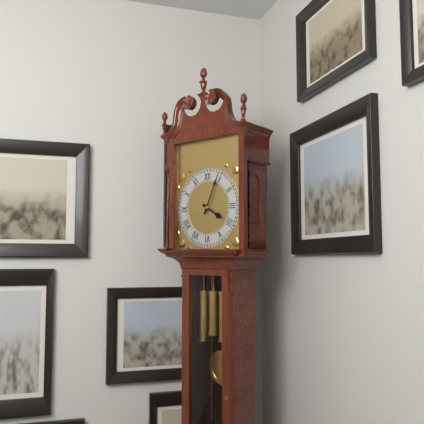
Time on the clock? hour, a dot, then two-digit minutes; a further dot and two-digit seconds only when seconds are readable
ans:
4.04
